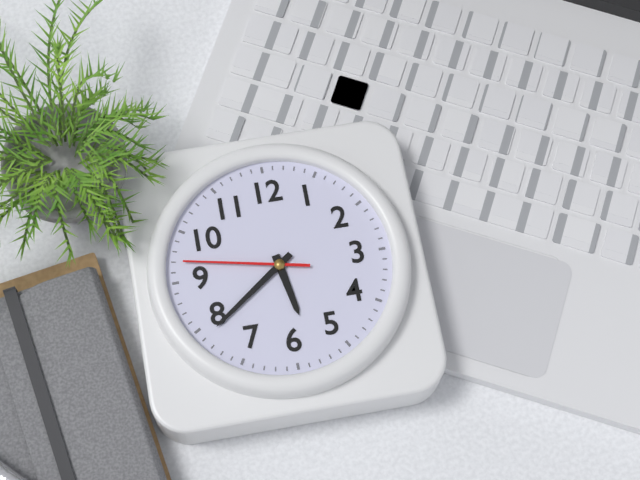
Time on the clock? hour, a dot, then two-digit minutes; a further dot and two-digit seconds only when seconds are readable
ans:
5.39.47
